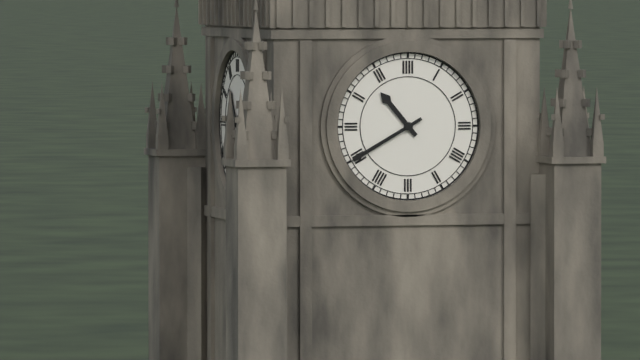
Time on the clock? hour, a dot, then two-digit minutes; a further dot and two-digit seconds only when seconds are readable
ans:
10.40
